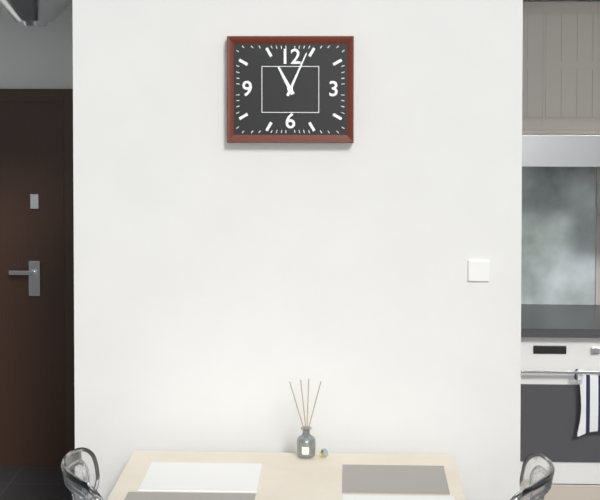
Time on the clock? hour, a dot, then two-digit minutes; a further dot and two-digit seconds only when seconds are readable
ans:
11.04
